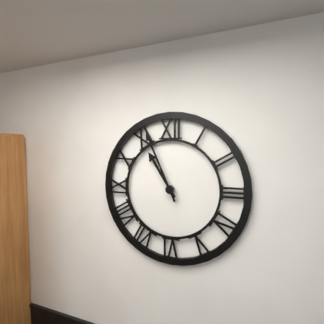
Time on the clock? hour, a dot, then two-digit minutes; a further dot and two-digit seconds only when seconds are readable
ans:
10.56
